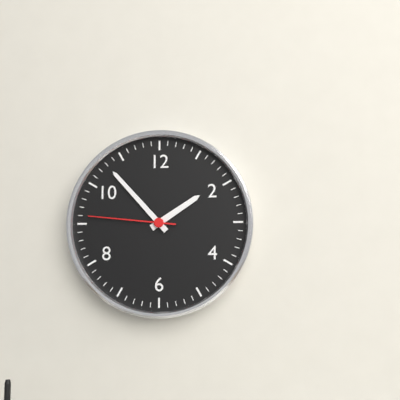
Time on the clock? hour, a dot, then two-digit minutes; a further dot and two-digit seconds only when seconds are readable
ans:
1.53.46
